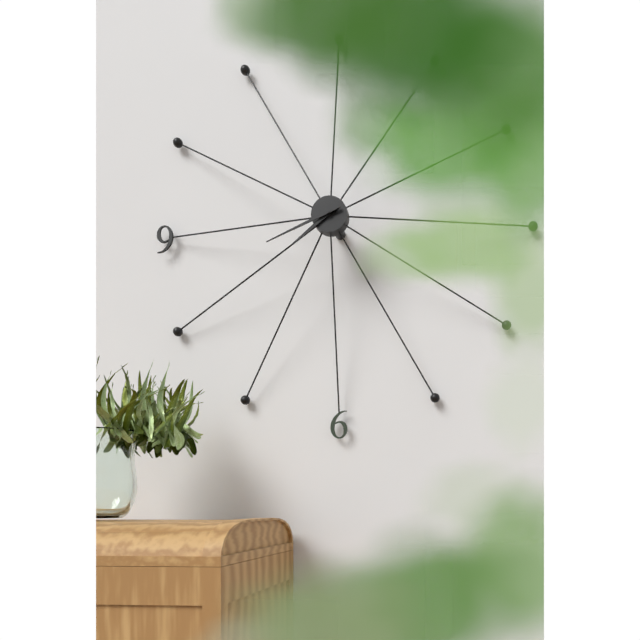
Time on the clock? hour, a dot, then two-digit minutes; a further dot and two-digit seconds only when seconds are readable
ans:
7.41
